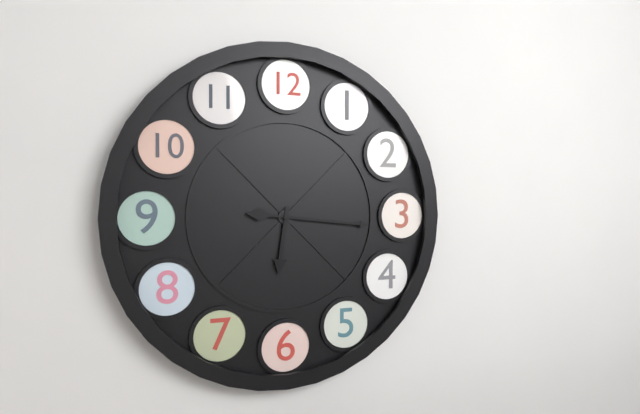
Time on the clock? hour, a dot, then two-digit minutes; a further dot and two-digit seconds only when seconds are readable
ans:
6.16
